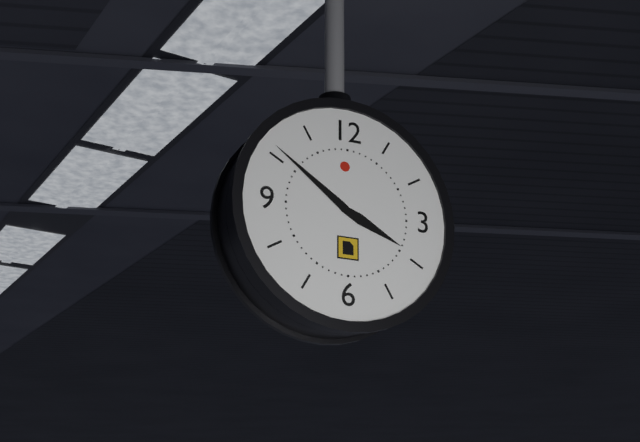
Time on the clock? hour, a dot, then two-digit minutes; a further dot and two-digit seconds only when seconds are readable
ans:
3.51
